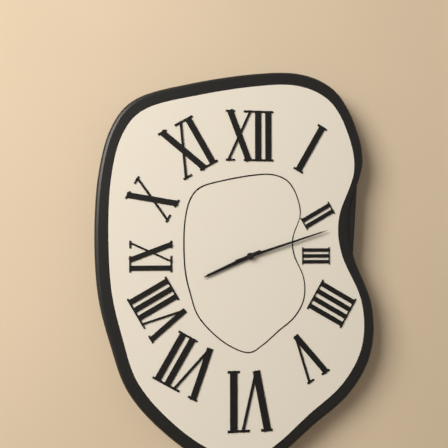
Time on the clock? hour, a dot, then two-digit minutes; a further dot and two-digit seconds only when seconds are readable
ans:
8.12
